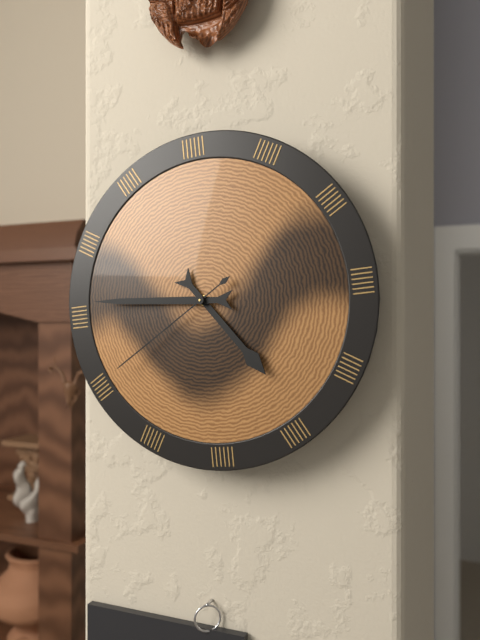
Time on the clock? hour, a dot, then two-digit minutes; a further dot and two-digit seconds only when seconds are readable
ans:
4.46.40
